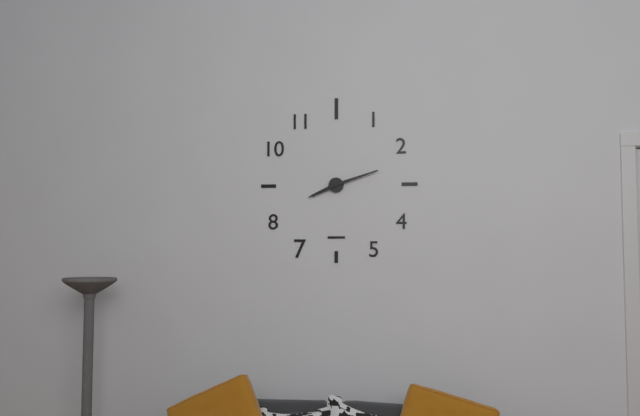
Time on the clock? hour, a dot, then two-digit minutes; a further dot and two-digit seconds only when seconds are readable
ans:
8.12
